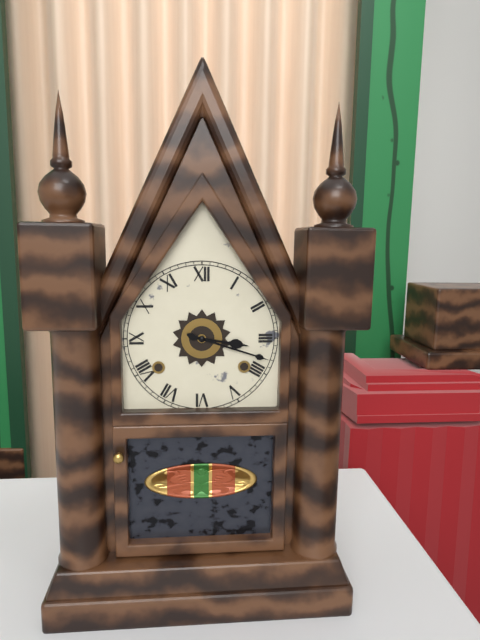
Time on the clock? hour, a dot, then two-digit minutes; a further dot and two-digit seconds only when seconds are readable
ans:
3.18
